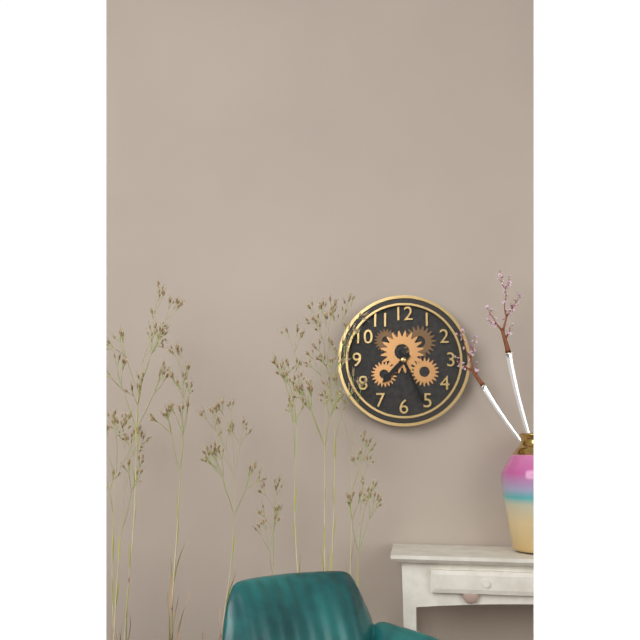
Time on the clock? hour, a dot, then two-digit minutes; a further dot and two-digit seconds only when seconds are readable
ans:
7.26
